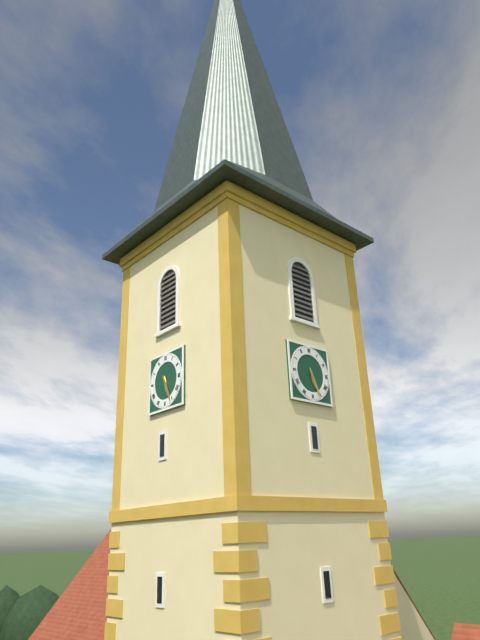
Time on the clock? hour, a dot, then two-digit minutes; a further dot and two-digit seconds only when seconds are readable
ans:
5.26
